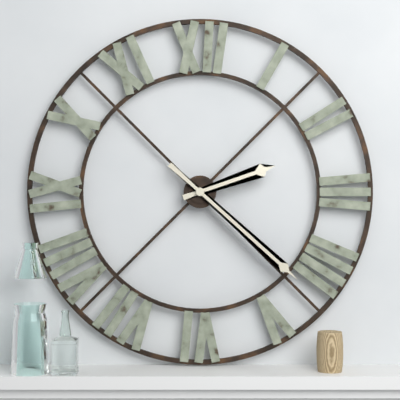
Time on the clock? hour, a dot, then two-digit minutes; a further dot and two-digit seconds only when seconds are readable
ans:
2.22
